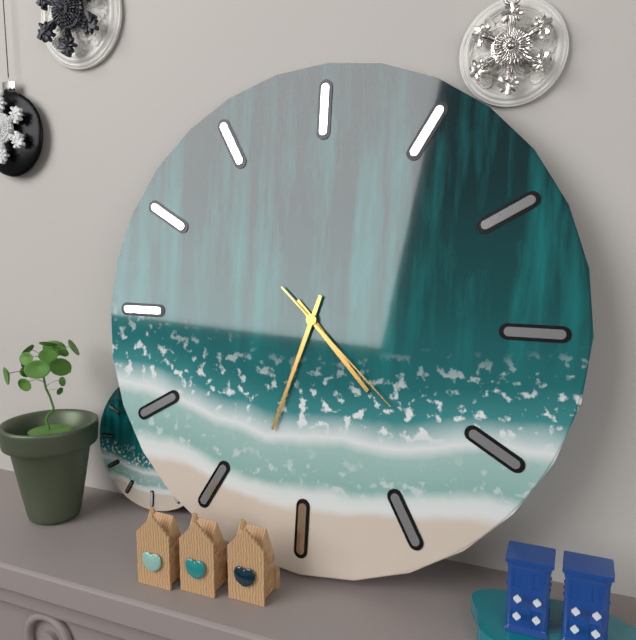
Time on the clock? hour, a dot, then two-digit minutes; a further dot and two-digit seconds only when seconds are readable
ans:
4.33.22
